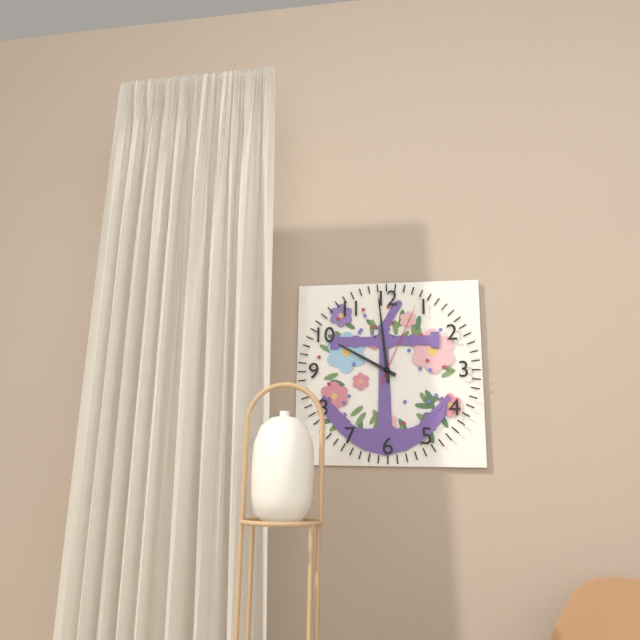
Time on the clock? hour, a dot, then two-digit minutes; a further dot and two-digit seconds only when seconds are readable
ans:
9.59.04
